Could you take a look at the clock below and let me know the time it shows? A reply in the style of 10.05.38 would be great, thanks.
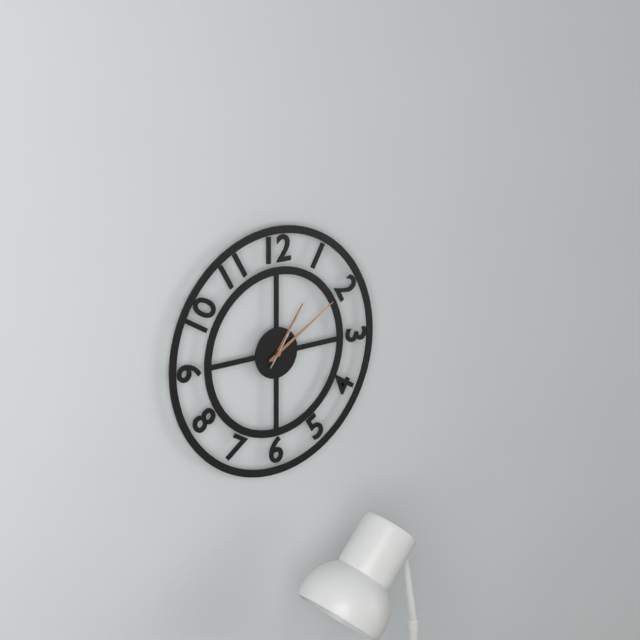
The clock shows 1.10.06
